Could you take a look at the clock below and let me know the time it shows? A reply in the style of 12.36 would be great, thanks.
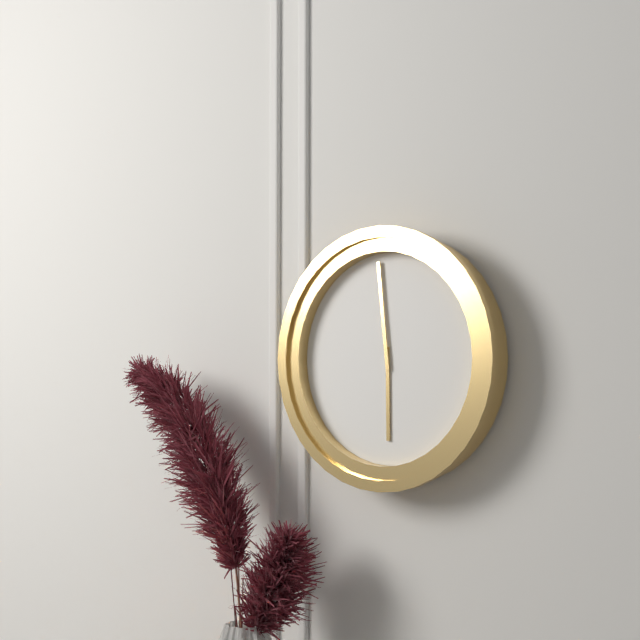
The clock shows 5.59
